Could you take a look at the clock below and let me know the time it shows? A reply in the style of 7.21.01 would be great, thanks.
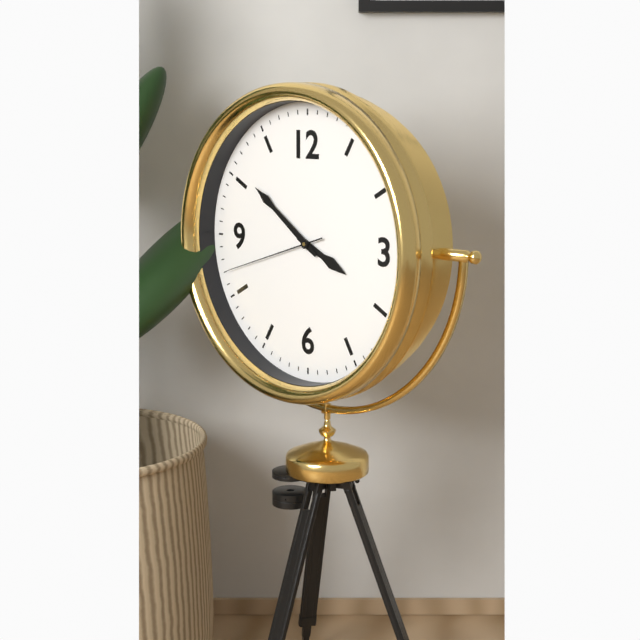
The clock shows 3.51.42
